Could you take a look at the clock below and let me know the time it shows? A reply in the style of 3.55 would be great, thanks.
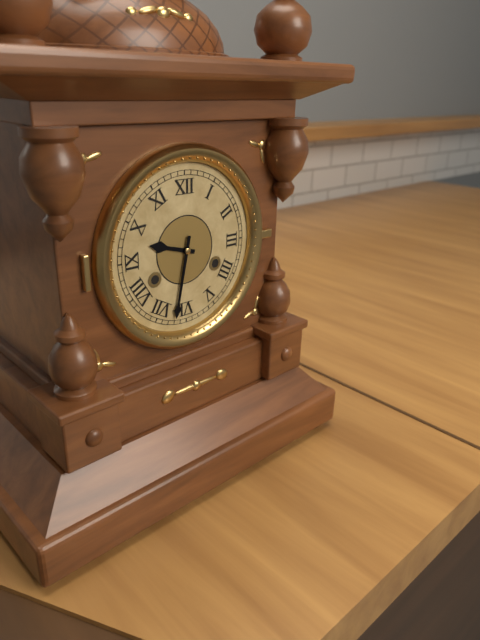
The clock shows 9.32
